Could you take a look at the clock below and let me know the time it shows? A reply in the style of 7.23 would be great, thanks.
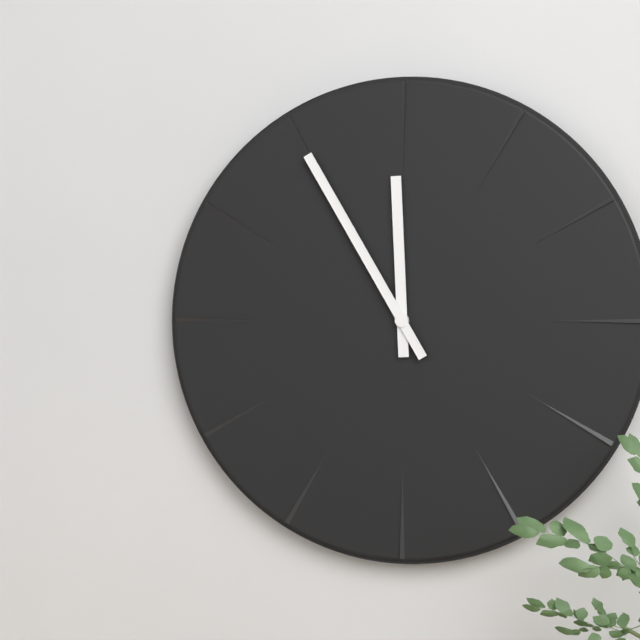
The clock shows 11.55
